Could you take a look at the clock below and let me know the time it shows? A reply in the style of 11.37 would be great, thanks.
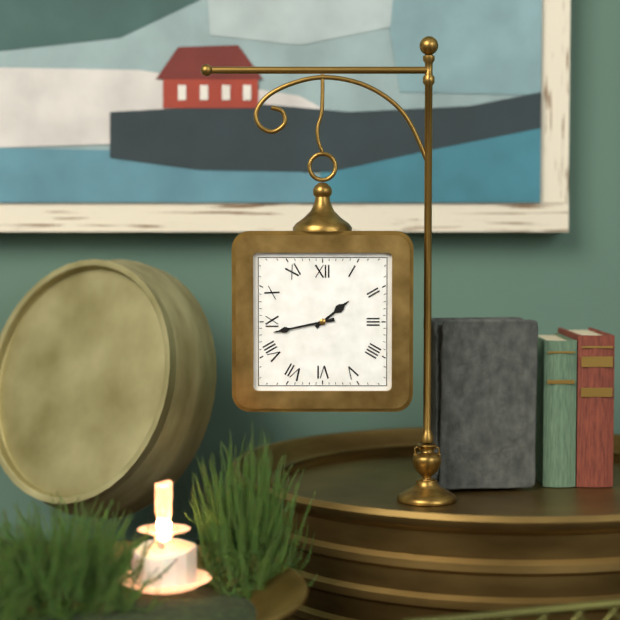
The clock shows 1.43
